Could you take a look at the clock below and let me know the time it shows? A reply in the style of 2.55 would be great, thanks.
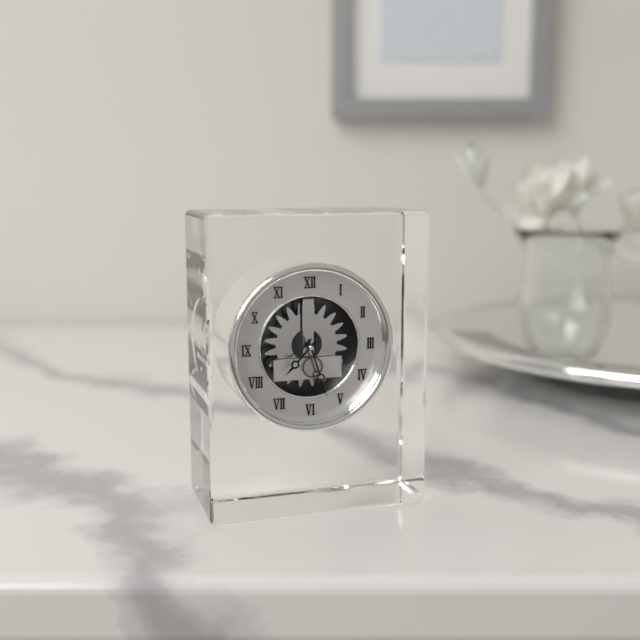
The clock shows 7.27
